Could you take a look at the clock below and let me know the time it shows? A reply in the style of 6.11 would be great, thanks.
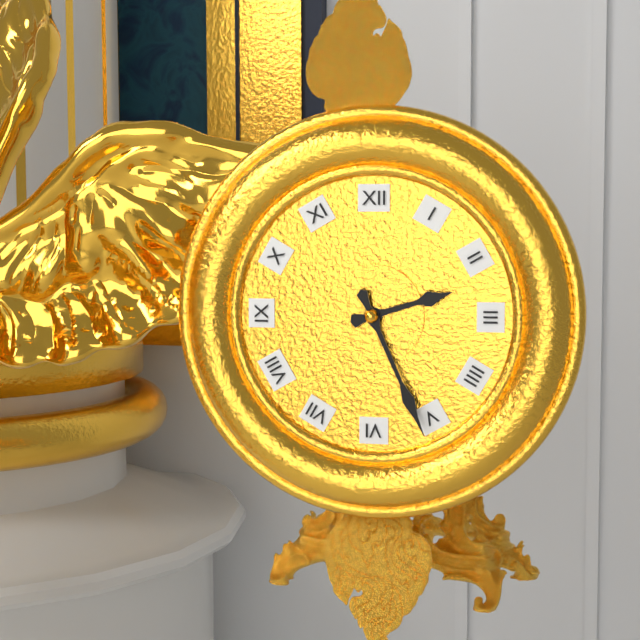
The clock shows 2.26
